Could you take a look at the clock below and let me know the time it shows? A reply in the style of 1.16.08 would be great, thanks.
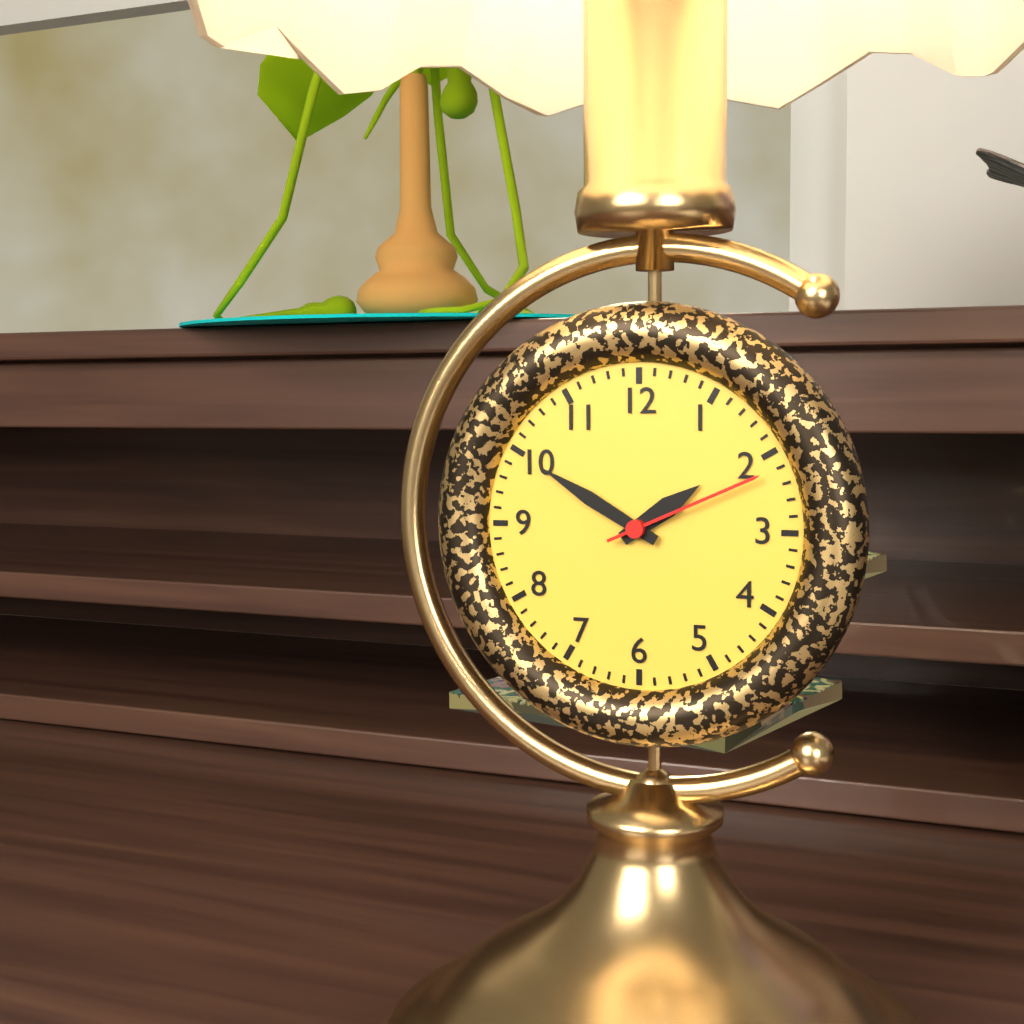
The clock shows 1.50.11
